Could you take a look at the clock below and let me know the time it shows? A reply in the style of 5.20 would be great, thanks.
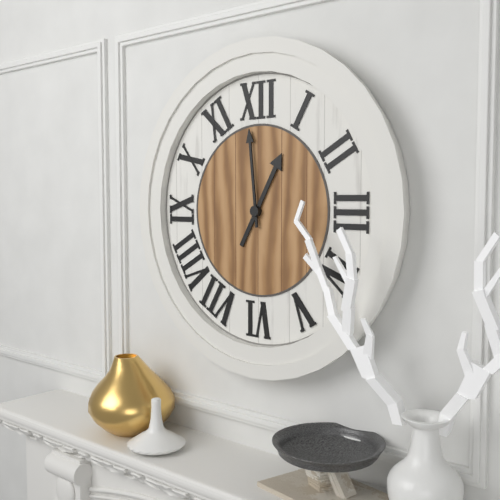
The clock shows 12.59
